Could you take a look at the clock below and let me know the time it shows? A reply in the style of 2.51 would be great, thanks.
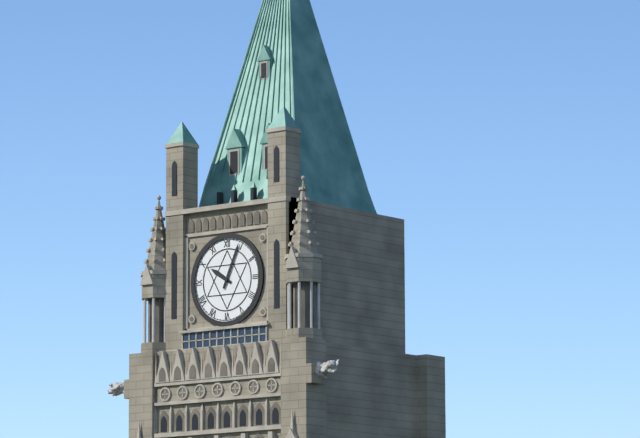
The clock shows 10.04
